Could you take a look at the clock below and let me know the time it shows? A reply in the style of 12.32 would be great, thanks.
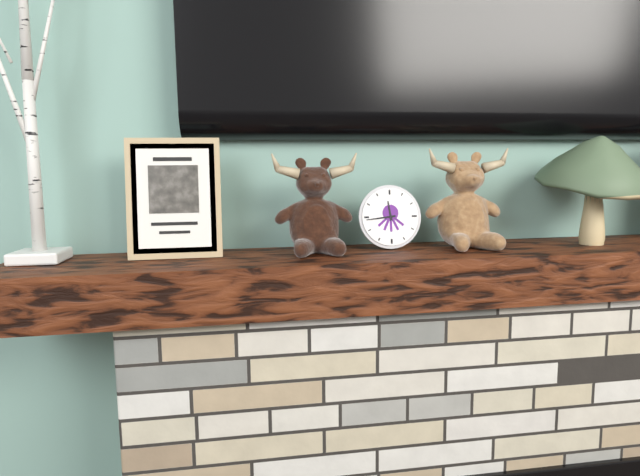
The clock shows 11.44
